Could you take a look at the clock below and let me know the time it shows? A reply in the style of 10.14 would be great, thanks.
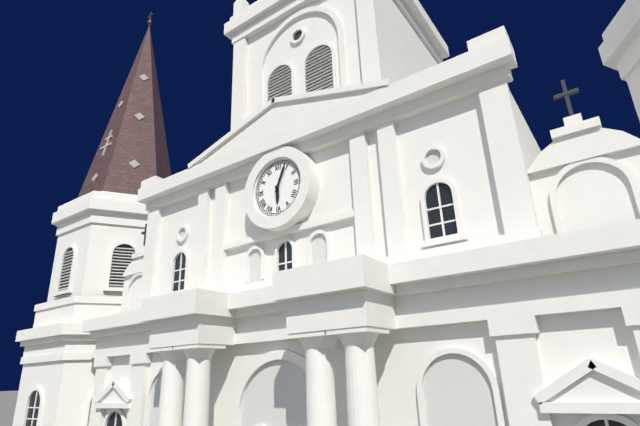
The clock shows 6.04
